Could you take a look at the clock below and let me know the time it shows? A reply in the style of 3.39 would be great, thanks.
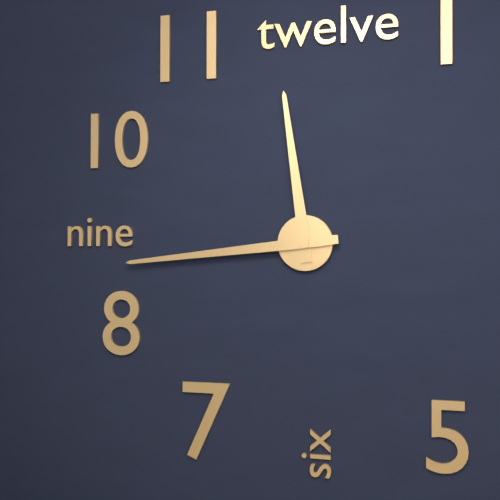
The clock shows 11.44
